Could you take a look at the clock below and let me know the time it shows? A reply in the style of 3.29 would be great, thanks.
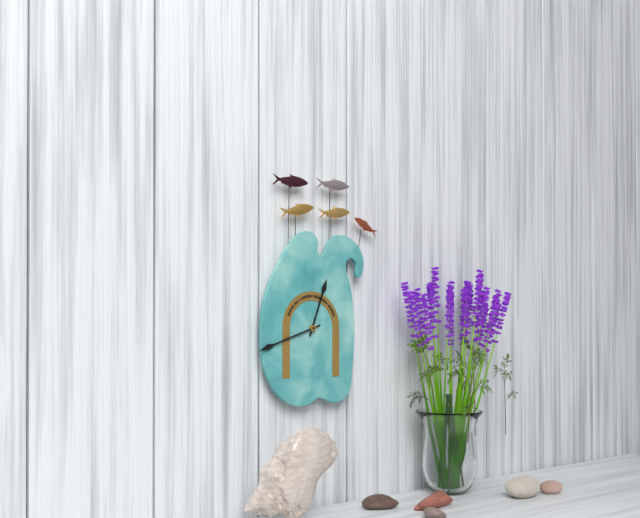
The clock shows 12.42
